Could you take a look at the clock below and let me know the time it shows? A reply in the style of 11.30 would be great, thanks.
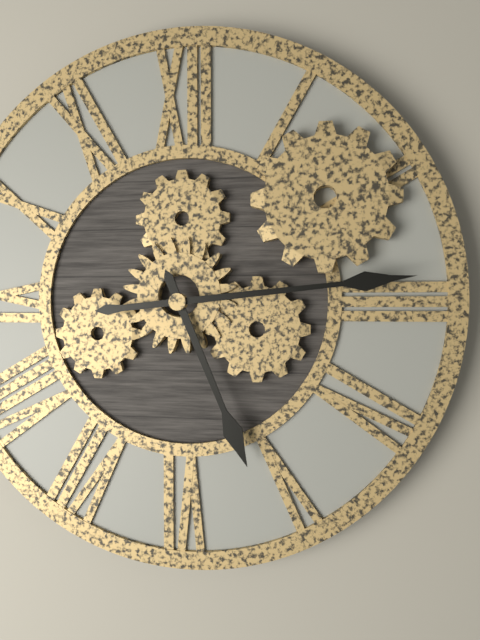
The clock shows 5.14
